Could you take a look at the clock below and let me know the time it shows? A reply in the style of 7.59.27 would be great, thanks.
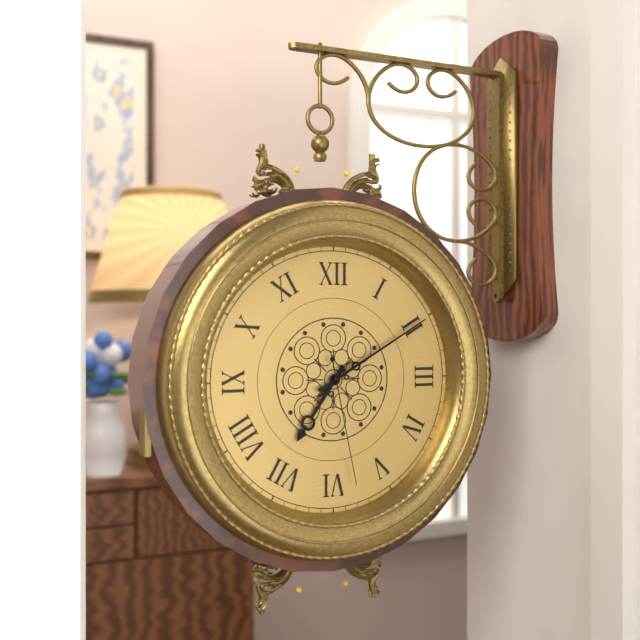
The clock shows 7.10.28
